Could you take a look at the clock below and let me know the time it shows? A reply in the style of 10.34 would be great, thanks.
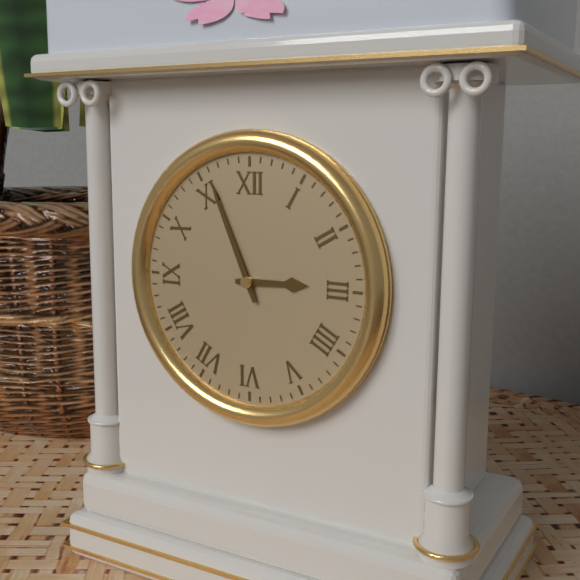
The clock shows 2.56
